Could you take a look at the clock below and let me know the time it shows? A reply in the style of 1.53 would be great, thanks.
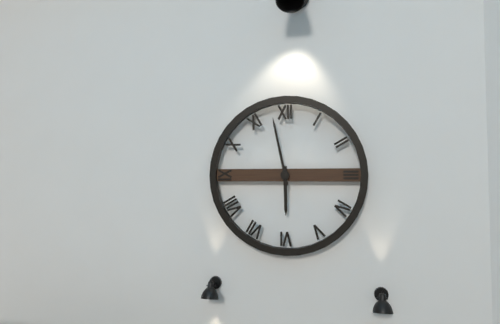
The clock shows 5.58
